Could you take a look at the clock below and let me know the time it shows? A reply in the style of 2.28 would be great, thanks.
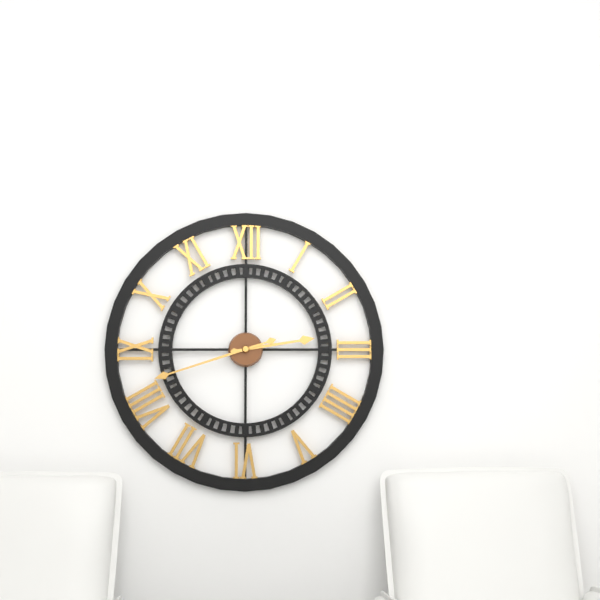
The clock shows 2.42
